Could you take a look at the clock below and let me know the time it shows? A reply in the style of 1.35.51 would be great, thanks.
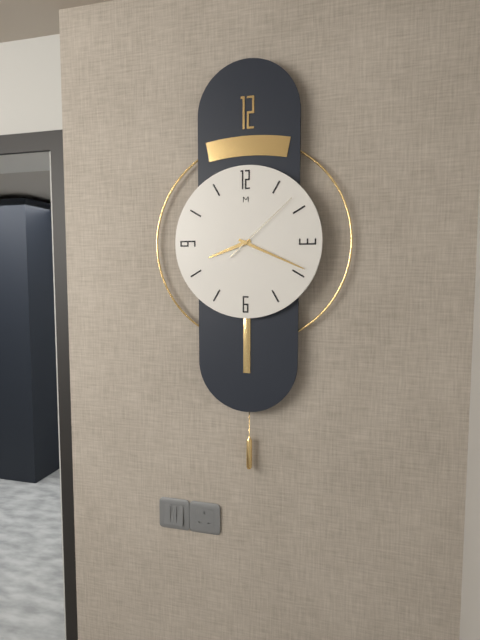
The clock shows 8.19.08
